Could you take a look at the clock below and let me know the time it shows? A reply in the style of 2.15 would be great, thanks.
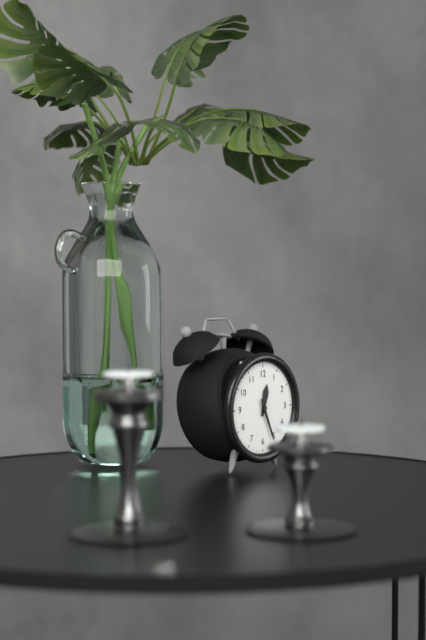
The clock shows 12.26
